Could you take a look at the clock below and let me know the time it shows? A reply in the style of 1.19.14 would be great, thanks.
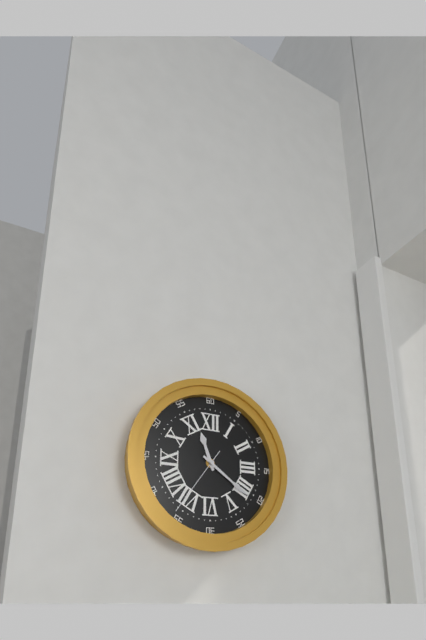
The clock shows 11.21.36
